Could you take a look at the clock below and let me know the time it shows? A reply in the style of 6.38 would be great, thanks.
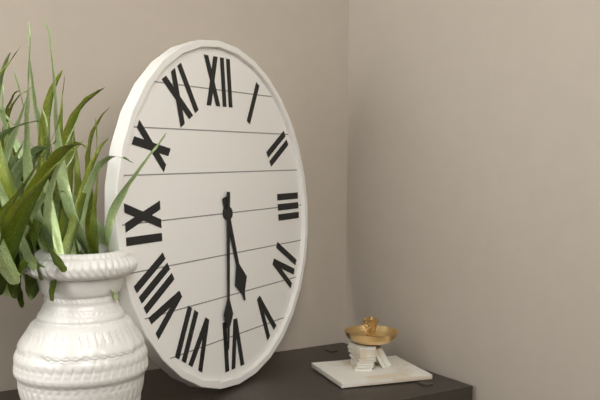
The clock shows 5.31
